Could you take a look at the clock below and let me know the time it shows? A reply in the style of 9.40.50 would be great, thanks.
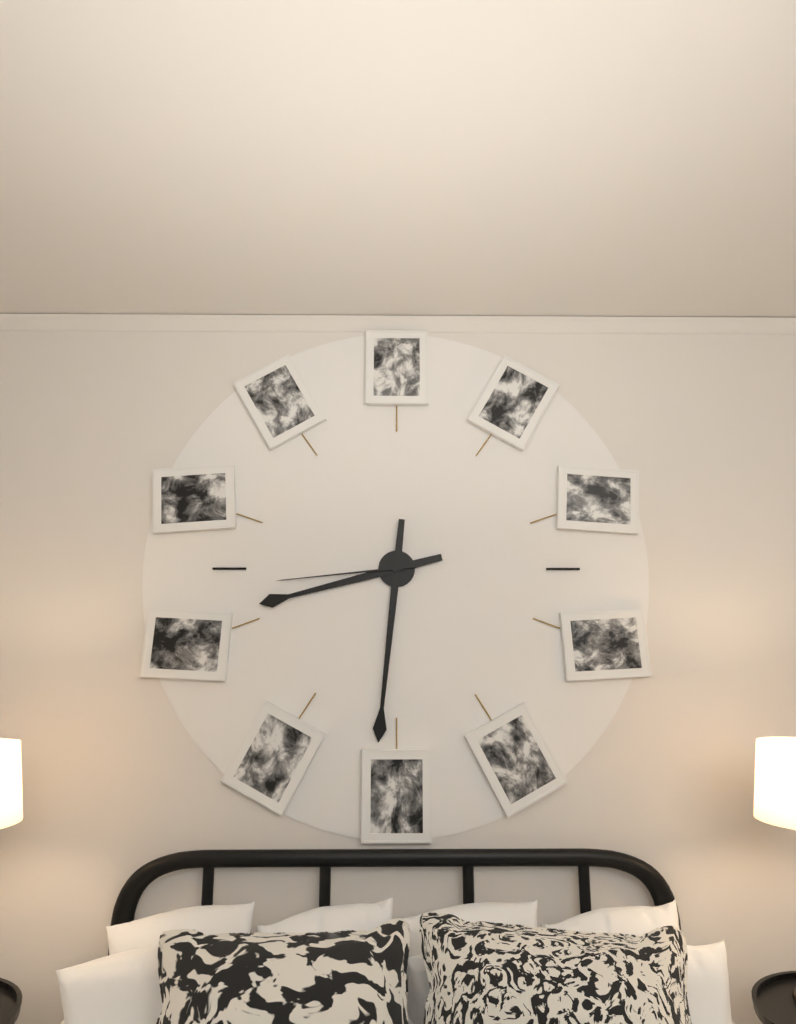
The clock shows 8.31.44
